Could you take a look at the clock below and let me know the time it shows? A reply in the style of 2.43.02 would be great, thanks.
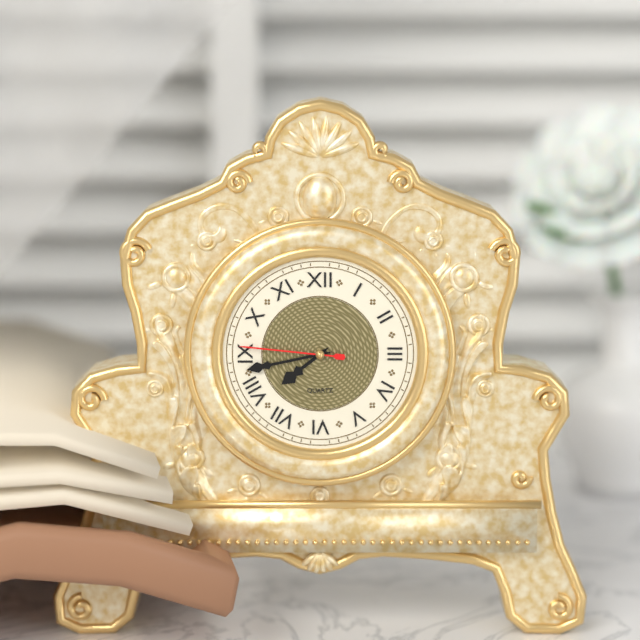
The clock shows 7.43.46
